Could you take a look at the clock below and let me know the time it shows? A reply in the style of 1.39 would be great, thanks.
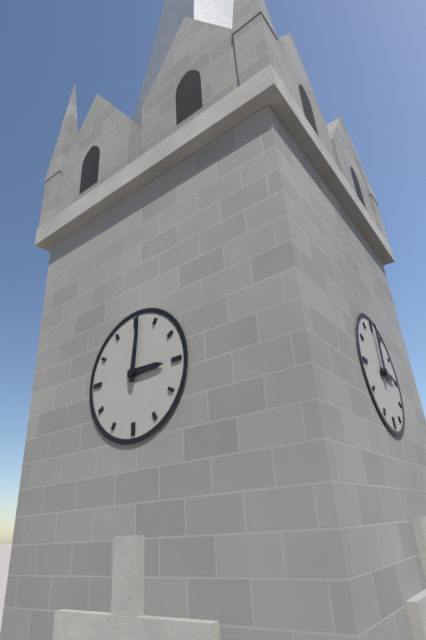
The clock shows 3.01
